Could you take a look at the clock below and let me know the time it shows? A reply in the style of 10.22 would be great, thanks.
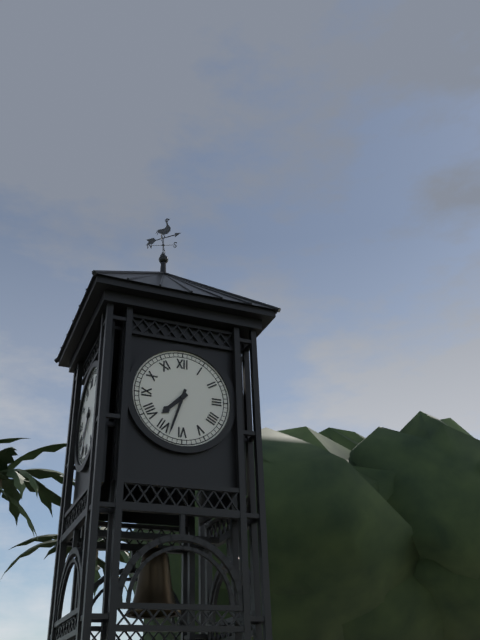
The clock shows 7.33
